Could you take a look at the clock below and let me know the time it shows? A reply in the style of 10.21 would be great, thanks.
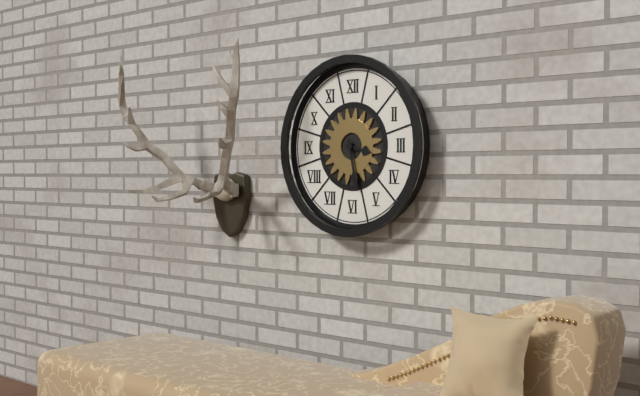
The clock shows 3.28
